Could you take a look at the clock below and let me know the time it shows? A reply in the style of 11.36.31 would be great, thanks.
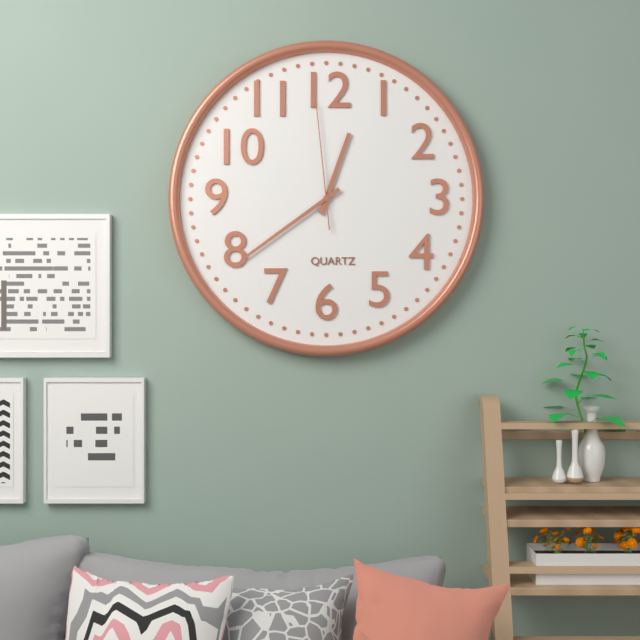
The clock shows 12.39.59
